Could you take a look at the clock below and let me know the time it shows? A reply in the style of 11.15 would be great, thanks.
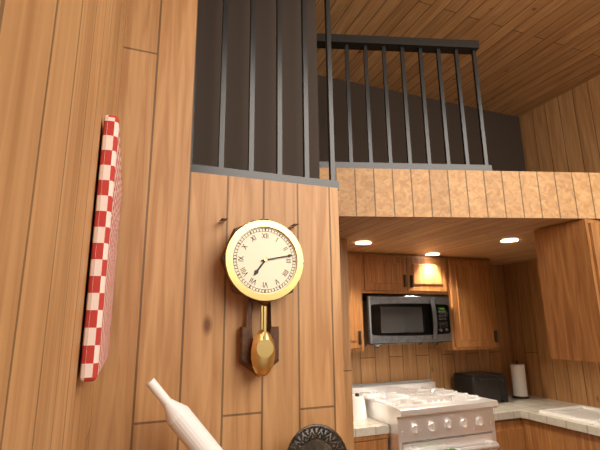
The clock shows 7.13
